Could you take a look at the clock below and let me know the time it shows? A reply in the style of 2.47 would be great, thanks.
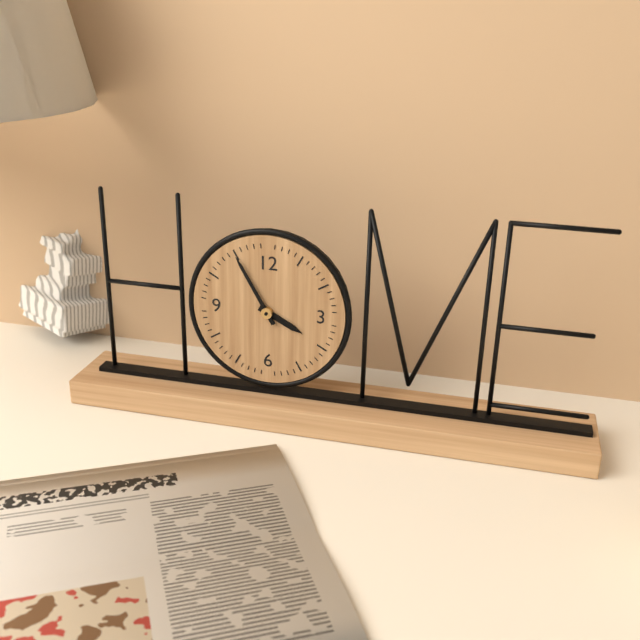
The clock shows 3.55
